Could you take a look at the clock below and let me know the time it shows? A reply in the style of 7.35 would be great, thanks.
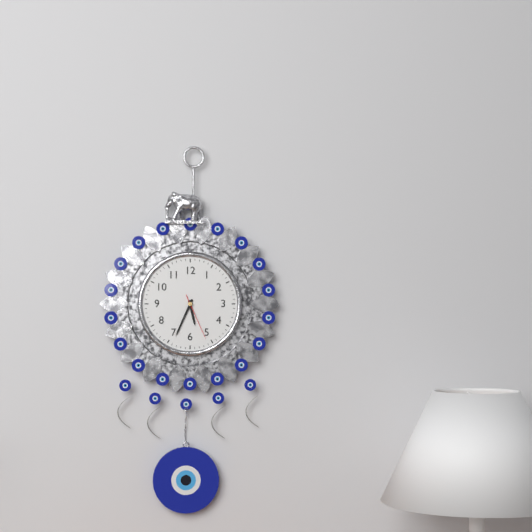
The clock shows 5.34
